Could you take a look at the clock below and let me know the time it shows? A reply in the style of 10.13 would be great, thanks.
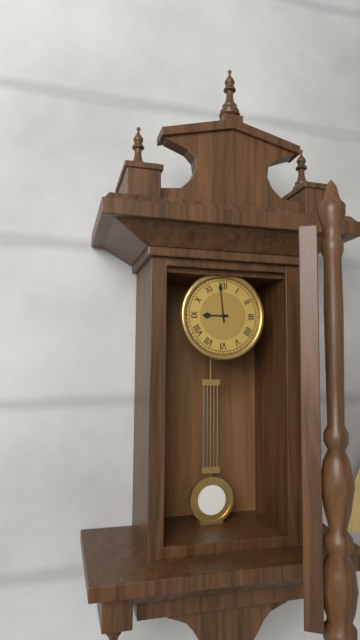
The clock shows 8.59
